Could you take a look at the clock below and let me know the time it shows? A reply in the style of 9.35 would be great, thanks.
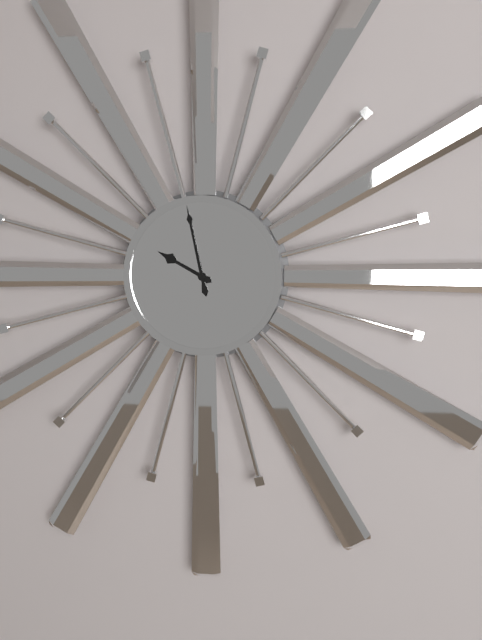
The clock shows 9.58
